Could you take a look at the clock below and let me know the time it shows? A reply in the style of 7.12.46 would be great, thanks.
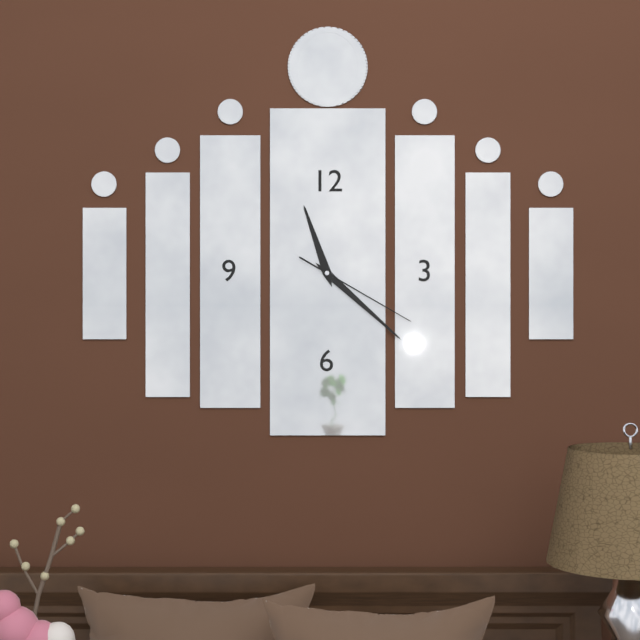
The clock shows 11.22.20
